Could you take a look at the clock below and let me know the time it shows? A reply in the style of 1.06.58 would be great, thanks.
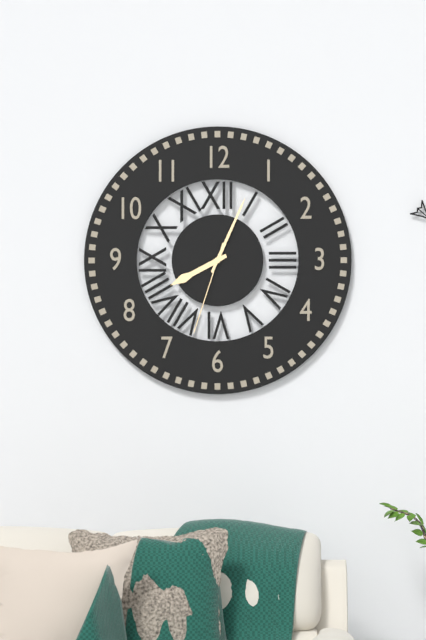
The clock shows 8.04.33
